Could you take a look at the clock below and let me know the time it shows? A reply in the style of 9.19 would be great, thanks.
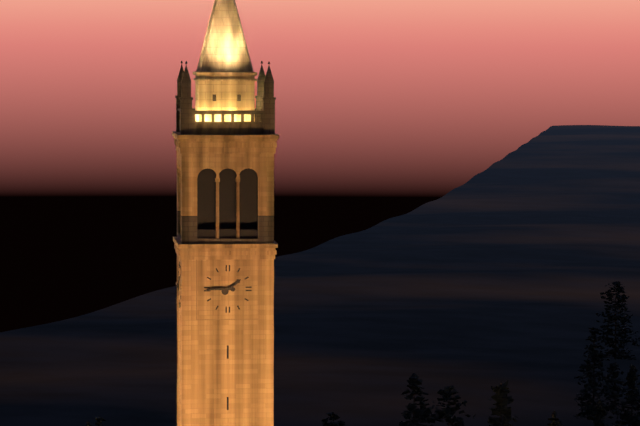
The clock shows 1.45
